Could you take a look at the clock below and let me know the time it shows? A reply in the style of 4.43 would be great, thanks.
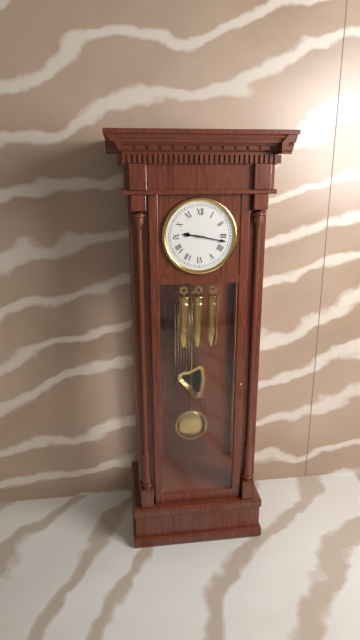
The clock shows 9.17
